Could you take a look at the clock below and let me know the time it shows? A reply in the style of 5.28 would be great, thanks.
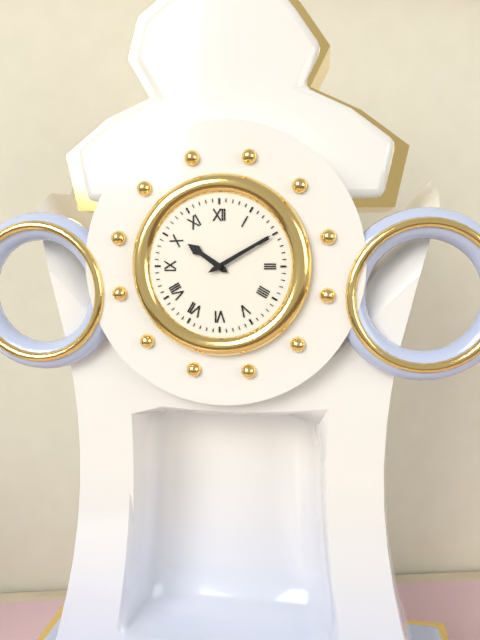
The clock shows 10.10
